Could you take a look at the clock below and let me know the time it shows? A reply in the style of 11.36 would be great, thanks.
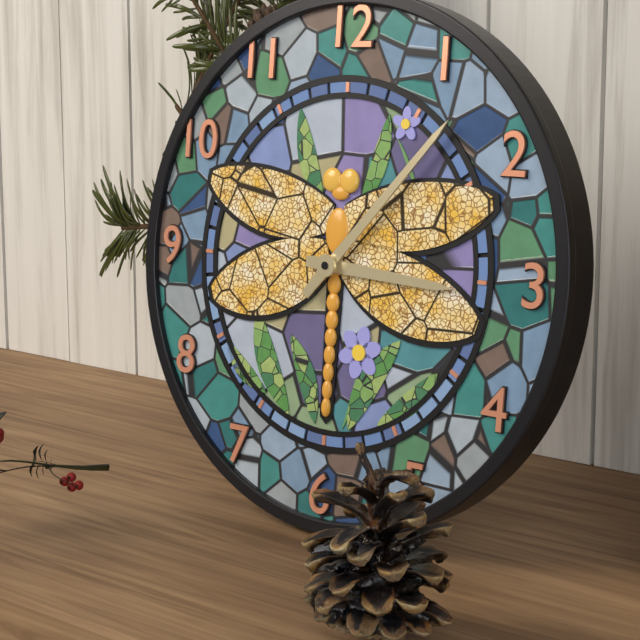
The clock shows 3.07
